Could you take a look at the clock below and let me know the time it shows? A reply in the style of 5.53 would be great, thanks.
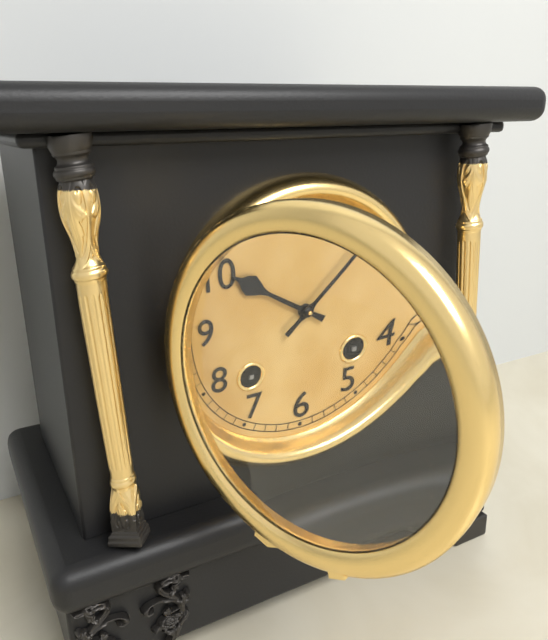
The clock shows 10.08
